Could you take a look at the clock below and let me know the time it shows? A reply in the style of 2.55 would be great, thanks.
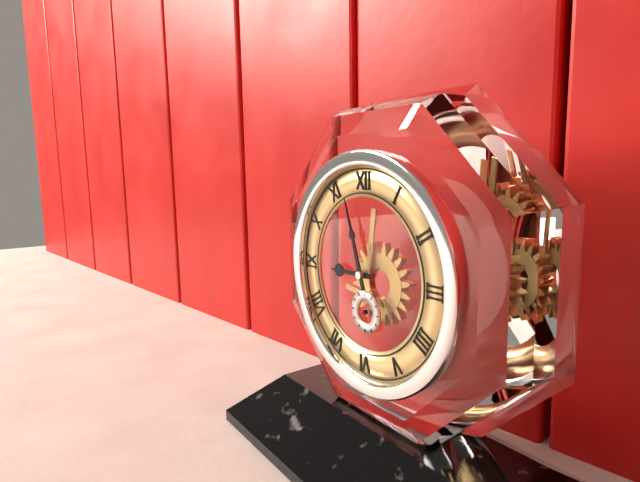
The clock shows 8.57
